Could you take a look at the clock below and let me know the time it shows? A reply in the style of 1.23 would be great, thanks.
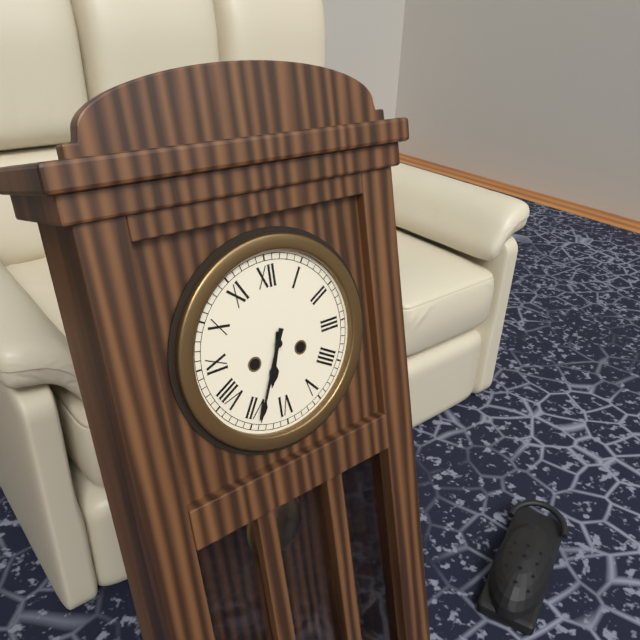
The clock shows 6.34
